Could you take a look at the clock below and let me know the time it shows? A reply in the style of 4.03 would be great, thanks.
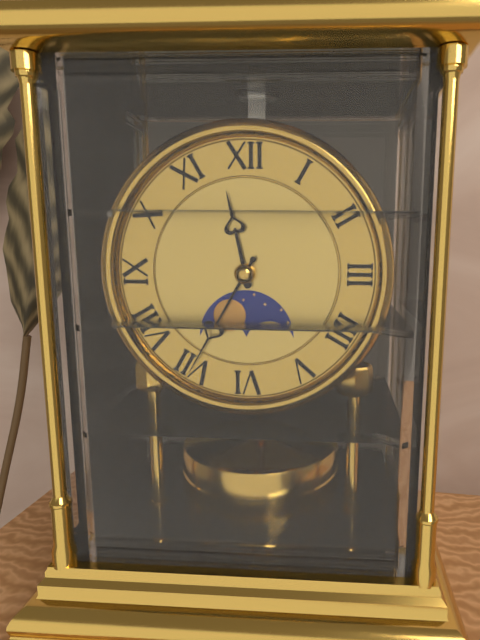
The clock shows 11.35
